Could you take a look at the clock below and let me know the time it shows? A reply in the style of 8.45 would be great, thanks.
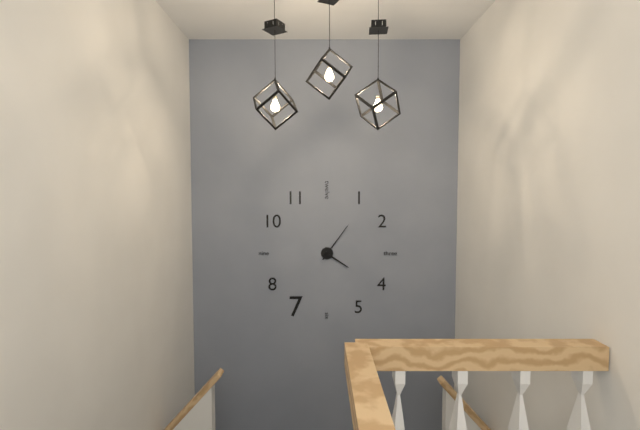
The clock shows 4.06
